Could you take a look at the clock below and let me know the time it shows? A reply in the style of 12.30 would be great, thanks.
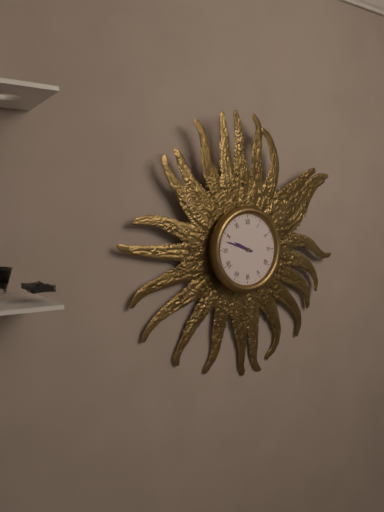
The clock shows 9.48
